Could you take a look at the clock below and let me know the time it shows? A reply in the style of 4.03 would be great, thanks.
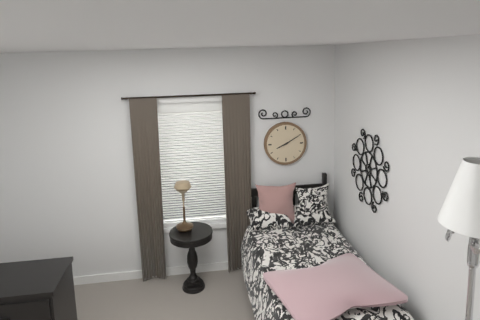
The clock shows 8.10
